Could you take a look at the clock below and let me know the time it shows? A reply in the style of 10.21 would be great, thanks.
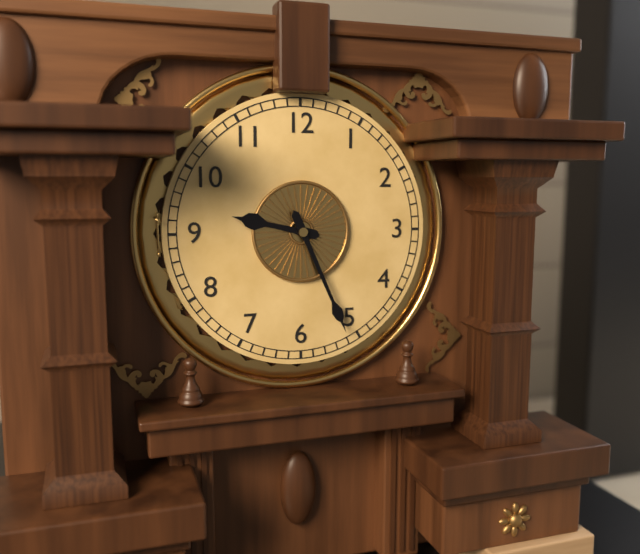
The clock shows 9.26
